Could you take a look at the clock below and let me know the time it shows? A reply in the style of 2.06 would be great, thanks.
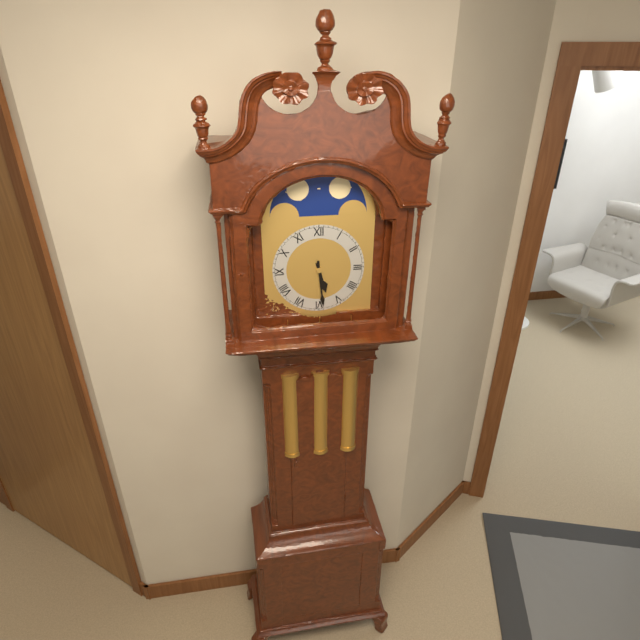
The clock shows 5.29
